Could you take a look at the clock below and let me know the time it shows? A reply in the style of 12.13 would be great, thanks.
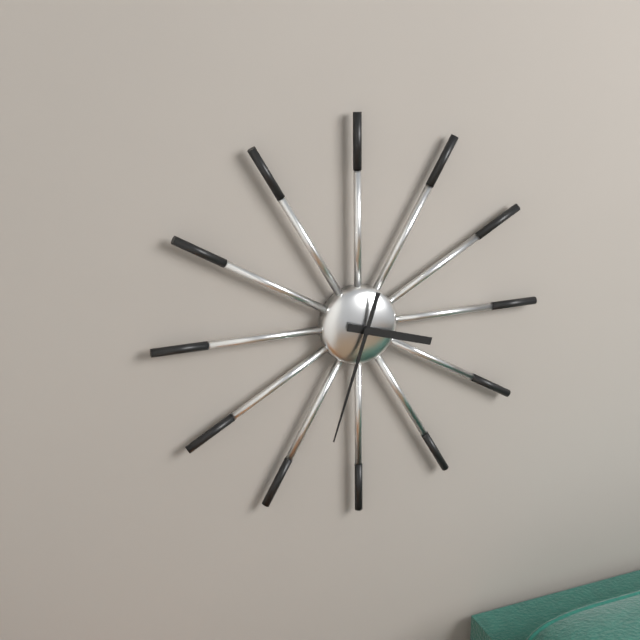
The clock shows 3.33
